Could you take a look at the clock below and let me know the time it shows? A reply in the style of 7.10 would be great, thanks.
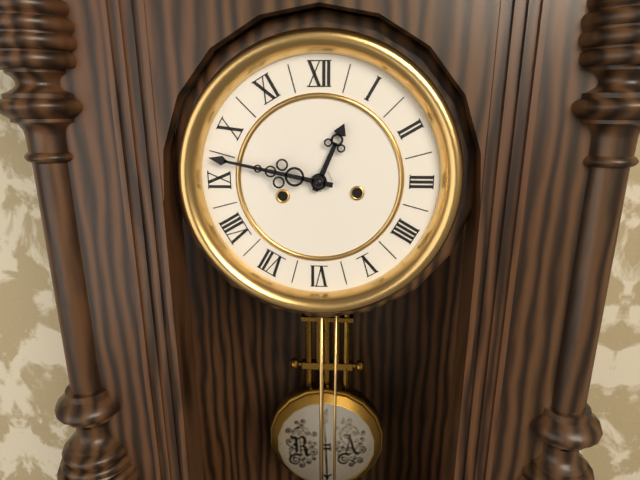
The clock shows 12.47
